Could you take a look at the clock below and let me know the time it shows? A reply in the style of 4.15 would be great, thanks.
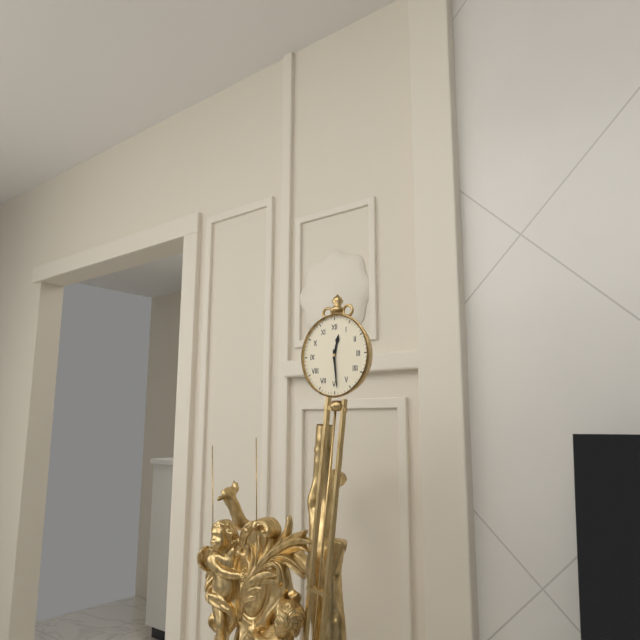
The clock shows 12.29
